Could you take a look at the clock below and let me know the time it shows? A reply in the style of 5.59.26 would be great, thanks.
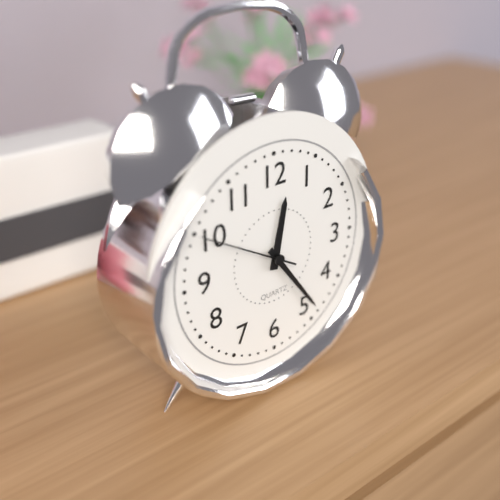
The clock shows 12.24.50
